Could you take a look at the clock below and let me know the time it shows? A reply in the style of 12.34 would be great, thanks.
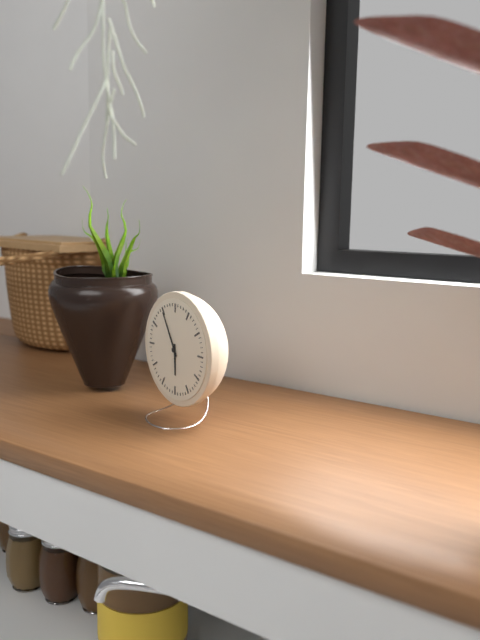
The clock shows 5.55
